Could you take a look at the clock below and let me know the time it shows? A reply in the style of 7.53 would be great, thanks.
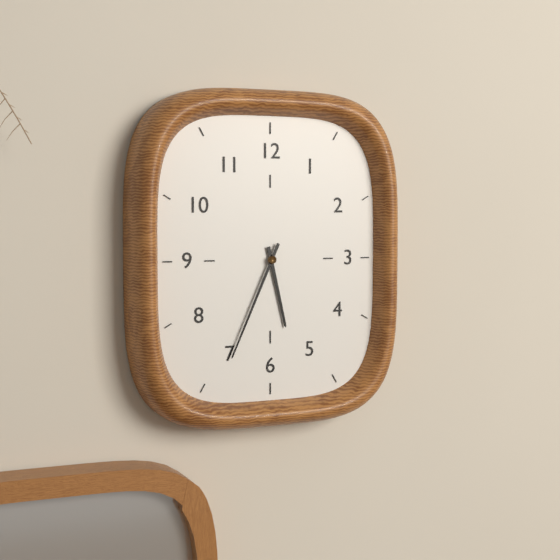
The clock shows 5.34
